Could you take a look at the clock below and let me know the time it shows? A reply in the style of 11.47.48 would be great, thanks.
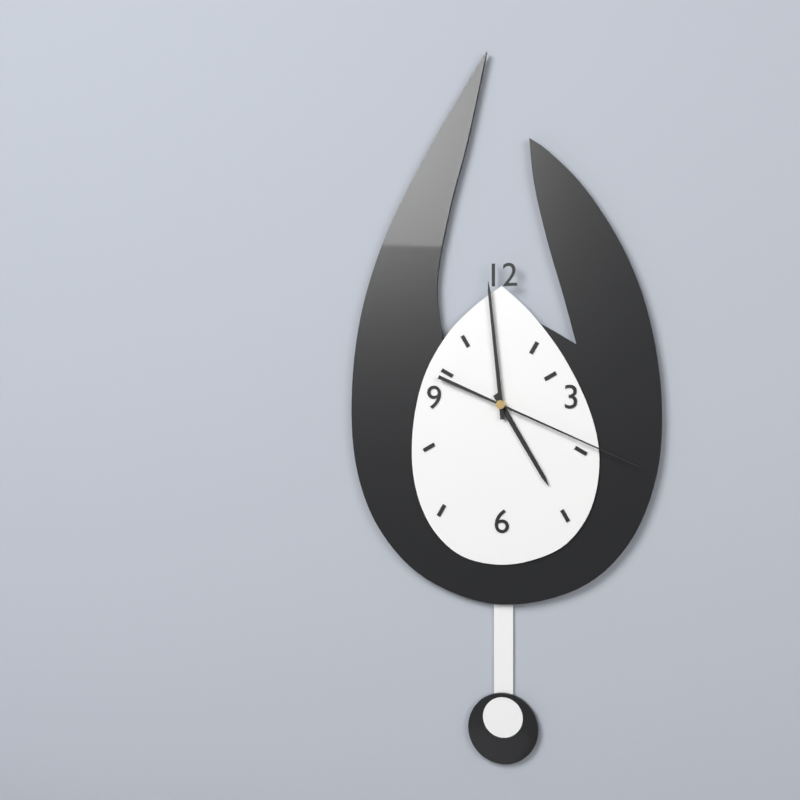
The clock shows 4.59.19
